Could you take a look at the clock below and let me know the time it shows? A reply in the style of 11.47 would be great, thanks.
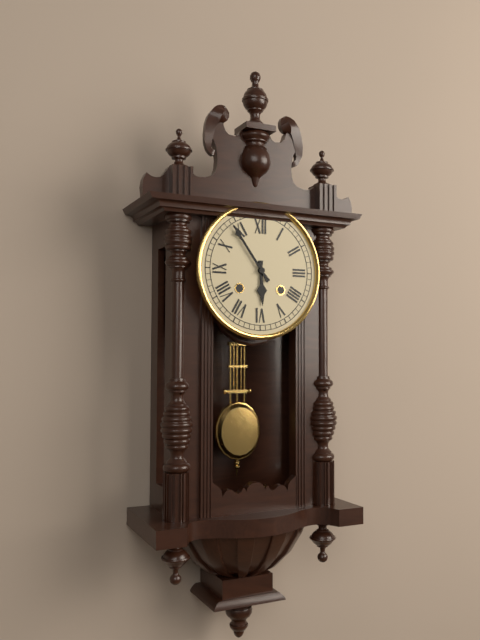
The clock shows 5.54
